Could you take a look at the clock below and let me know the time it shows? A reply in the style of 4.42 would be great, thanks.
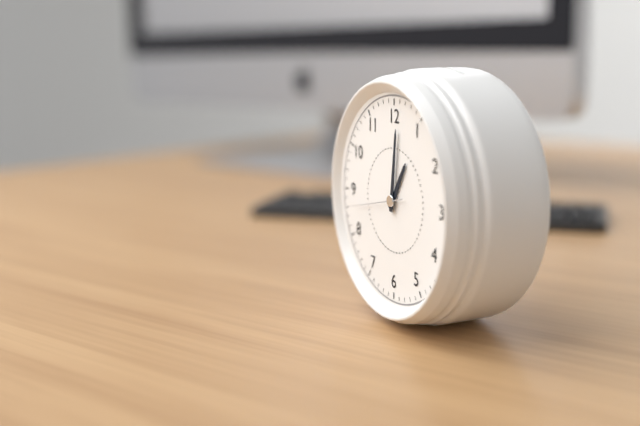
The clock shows 1.01
